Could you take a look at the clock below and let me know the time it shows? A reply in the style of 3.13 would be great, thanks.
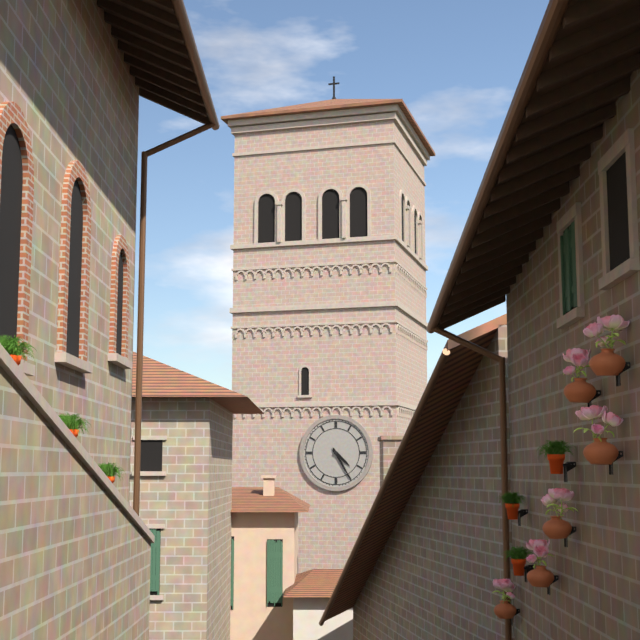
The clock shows 4.25
